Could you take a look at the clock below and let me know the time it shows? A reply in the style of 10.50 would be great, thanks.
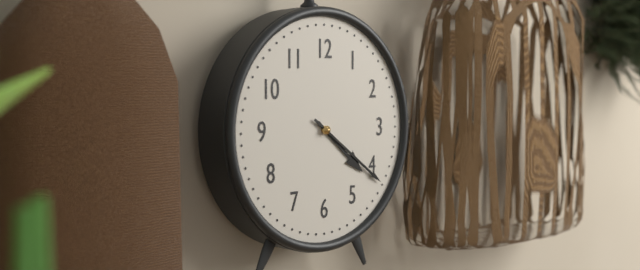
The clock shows 4.21
